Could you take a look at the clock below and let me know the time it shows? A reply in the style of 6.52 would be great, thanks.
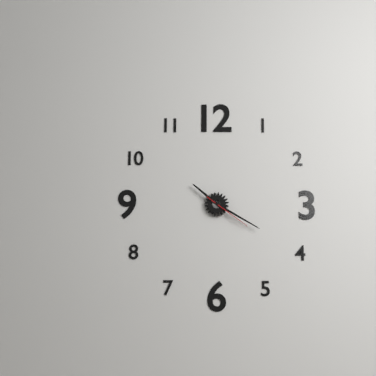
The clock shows 10.20
